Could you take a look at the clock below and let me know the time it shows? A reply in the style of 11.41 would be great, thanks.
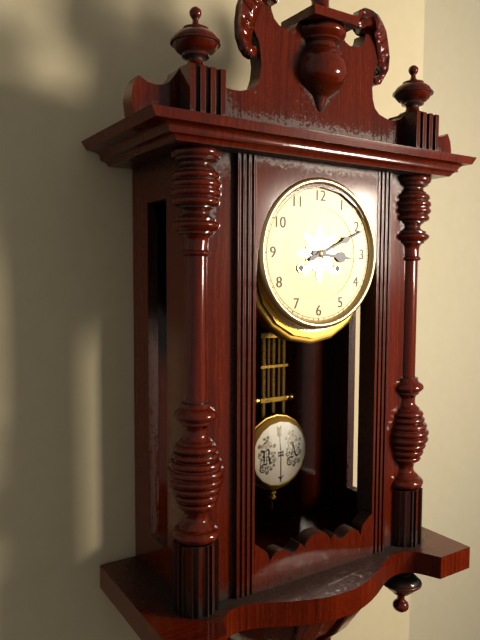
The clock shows 3.11
